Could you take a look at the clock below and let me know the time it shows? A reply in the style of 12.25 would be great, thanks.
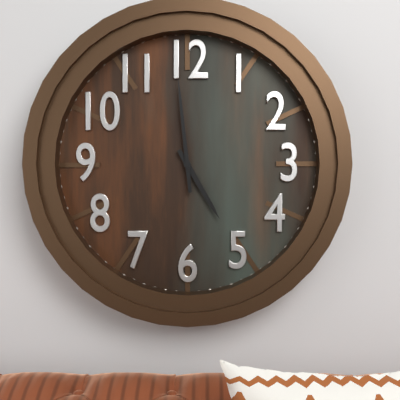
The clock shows 4.59
